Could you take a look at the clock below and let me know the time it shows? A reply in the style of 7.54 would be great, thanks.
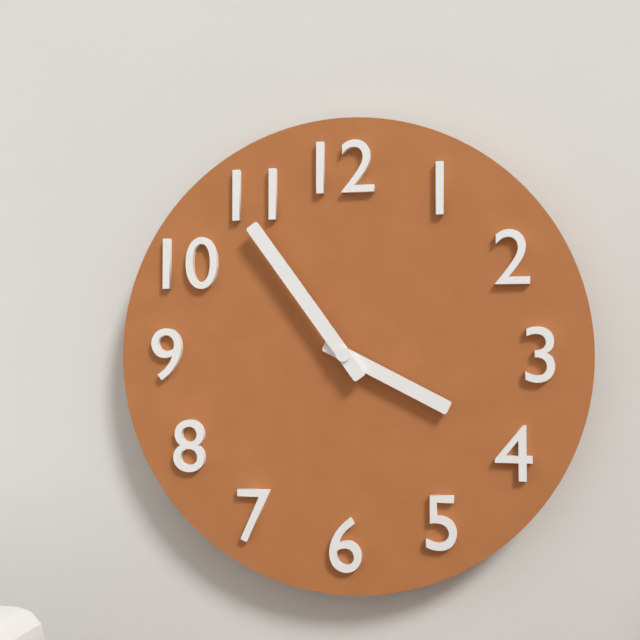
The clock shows 3.54
